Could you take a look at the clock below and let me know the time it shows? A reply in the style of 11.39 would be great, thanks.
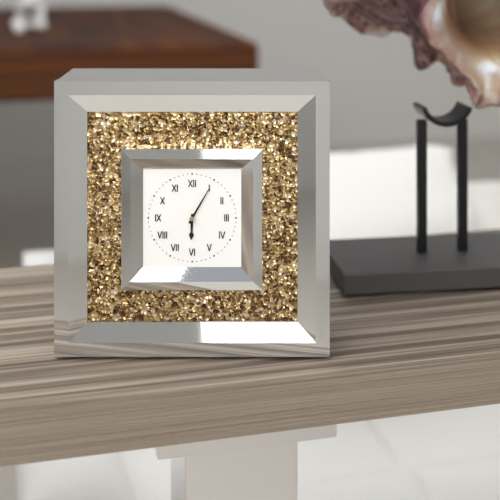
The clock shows 6.05
